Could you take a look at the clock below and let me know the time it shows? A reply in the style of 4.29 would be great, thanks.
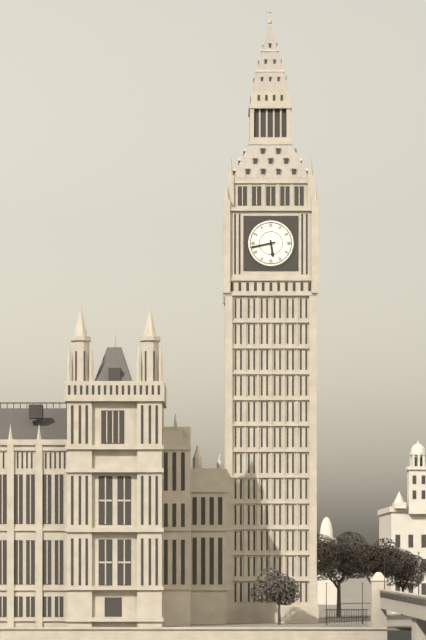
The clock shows 5.43
